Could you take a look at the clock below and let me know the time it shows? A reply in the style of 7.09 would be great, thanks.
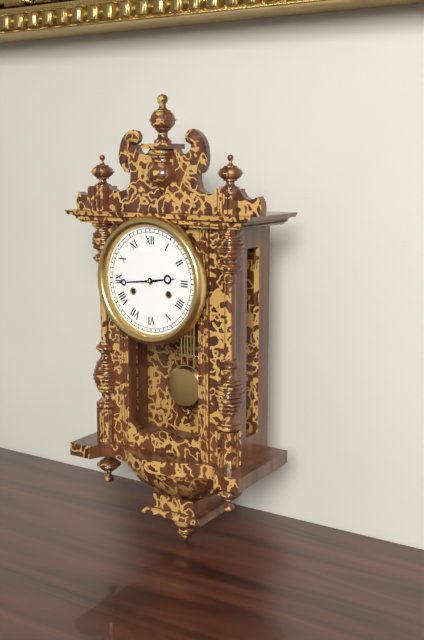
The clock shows 2.44
